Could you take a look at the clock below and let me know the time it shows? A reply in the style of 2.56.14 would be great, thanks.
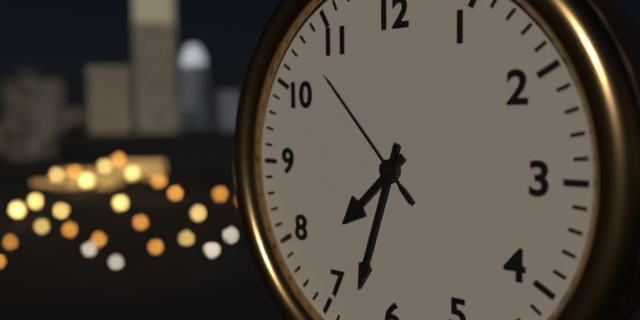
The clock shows 7.33.53
